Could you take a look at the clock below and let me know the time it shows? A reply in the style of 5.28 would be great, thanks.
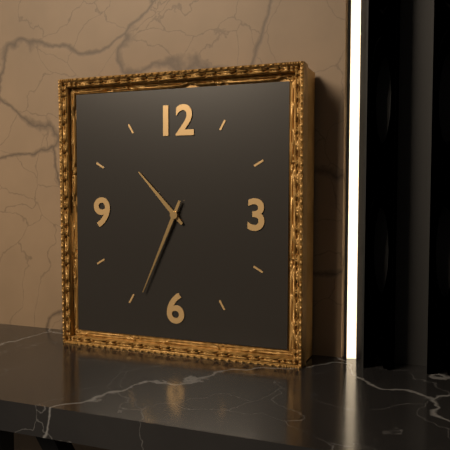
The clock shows 10.34
